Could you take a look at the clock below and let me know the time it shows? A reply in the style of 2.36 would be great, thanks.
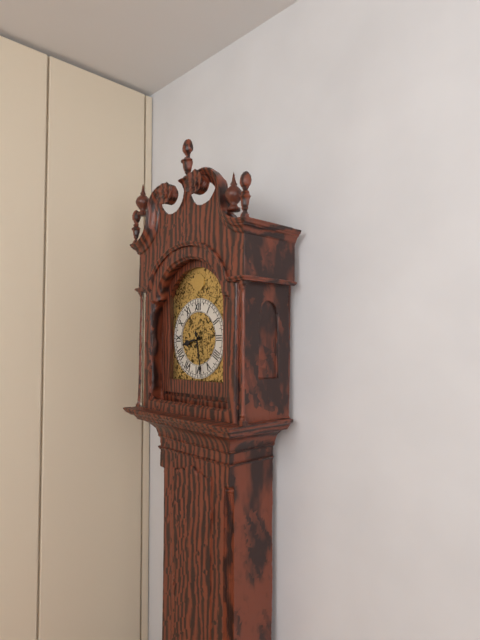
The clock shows 8.28
